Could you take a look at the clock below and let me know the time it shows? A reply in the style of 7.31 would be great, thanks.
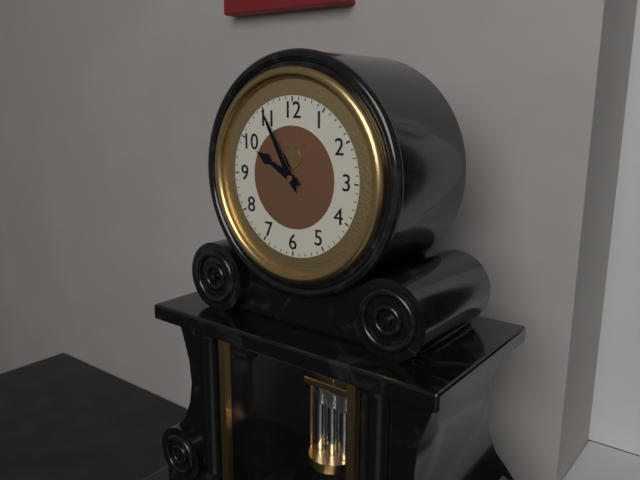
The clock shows 9.55
